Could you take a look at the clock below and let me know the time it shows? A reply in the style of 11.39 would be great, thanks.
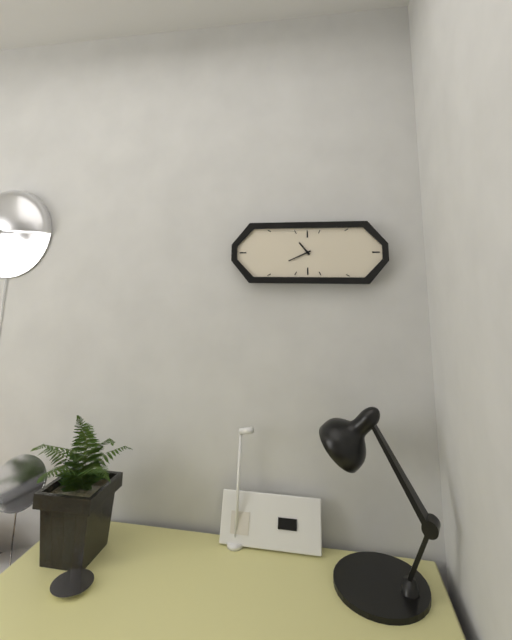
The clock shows 10.41
